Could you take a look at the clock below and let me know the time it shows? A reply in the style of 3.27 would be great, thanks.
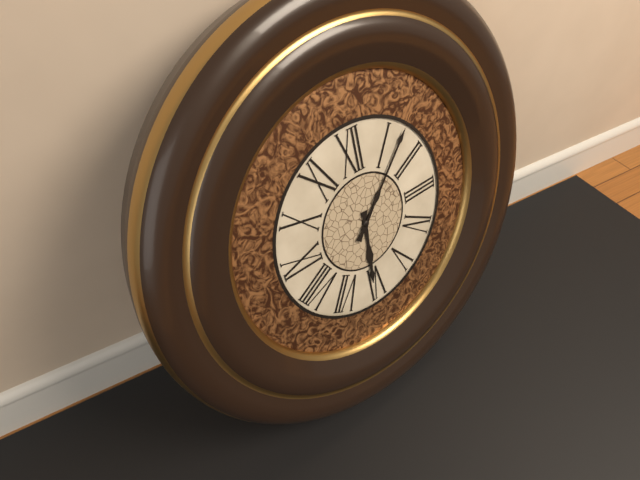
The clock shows 6.07
